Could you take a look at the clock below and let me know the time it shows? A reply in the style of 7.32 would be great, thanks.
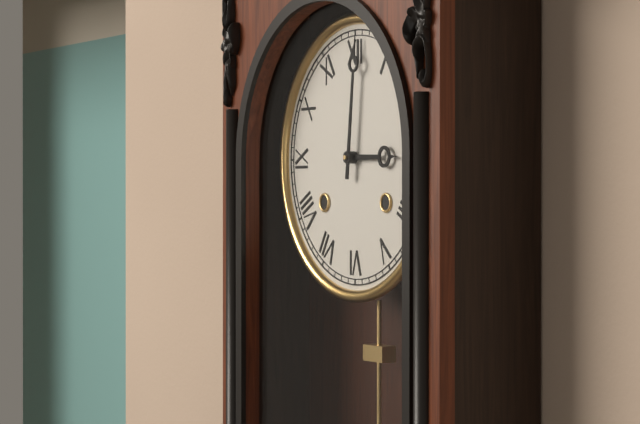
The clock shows 3.01
